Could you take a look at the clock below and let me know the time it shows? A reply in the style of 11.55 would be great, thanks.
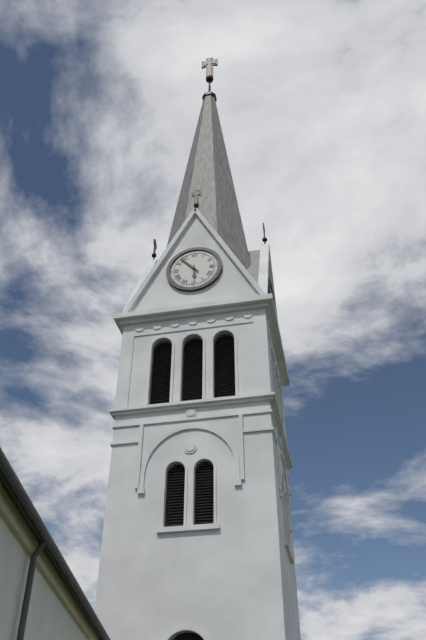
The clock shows 5.53
